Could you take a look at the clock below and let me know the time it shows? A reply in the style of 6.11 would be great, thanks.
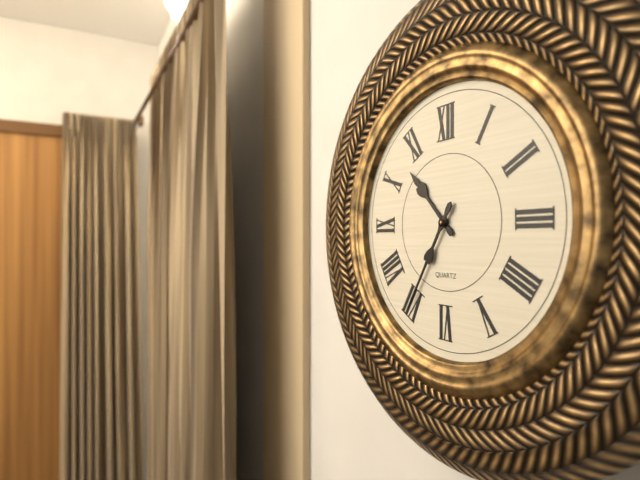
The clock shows 10.35
